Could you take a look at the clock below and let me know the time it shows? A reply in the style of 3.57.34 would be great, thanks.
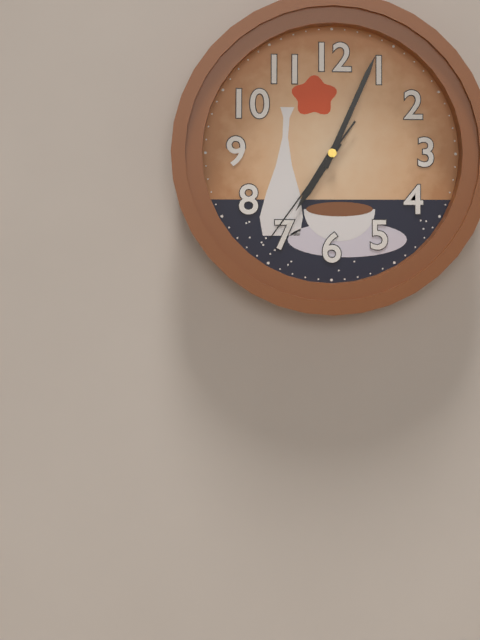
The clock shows 7.04.36
